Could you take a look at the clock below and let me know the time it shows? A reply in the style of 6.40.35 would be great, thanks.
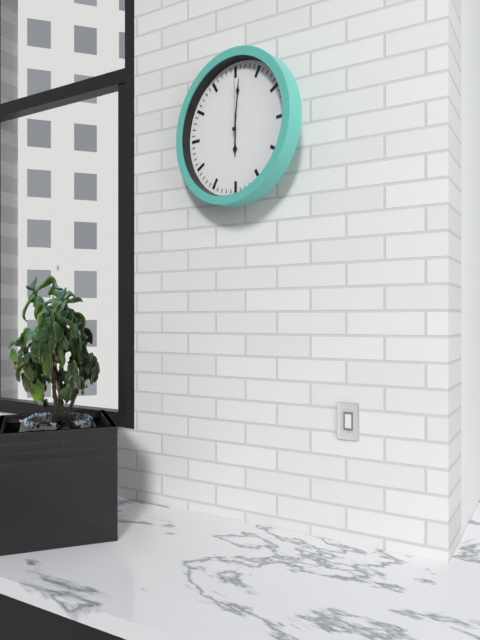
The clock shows 6.01.00
